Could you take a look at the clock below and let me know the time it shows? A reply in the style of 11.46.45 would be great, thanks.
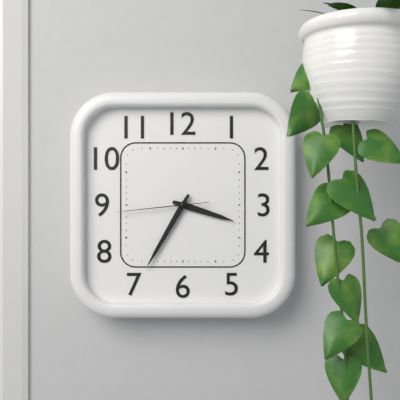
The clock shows 3.35.44
